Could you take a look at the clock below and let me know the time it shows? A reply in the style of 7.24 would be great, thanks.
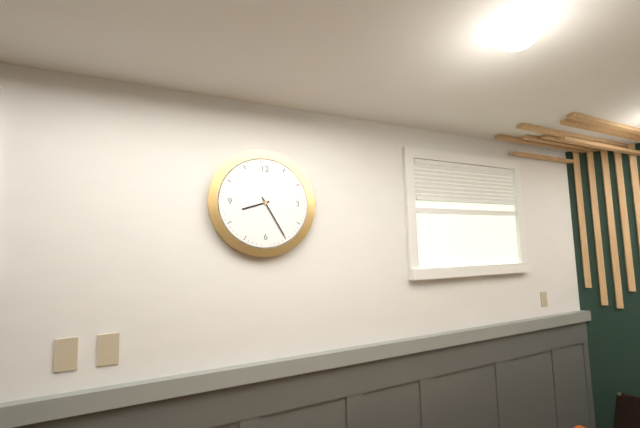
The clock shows 8.25
